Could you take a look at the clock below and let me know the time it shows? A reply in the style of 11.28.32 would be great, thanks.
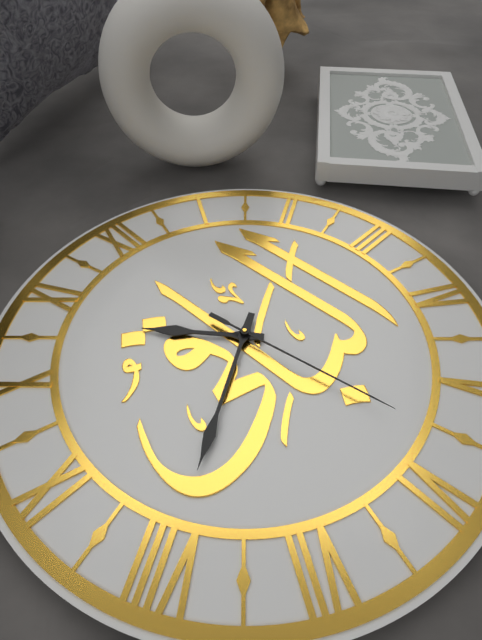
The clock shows 10.40.28
